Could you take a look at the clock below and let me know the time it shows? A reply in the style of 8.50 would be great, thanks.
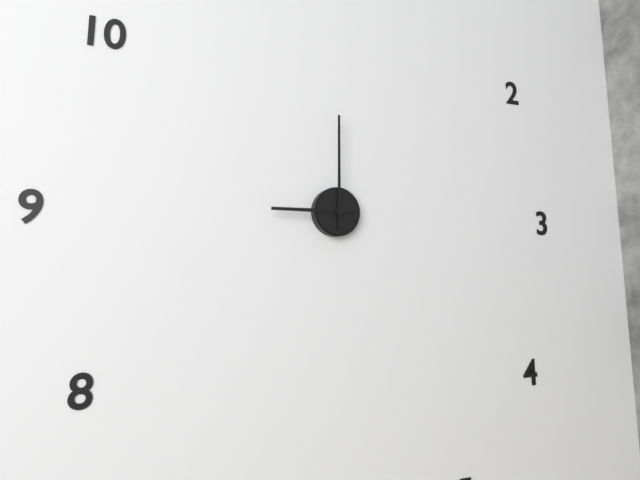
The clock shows 9.00
